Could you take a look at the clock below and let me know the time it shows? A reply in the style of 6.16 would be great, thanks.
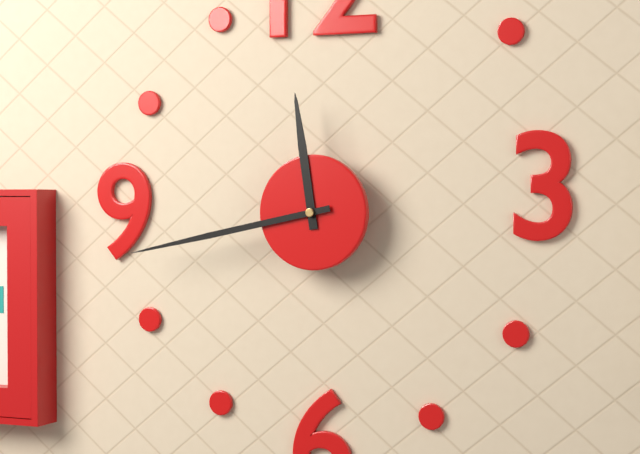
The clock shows 11.43
